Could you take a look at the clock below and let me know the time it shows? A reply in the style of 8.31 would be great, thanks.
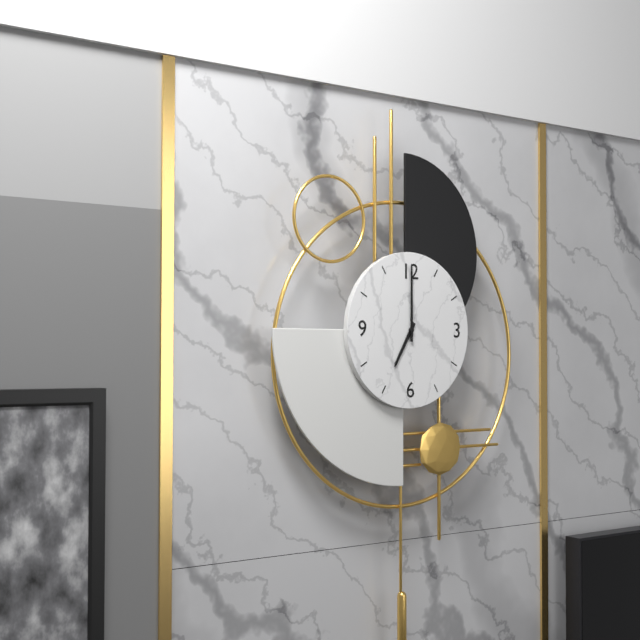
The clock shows 7.00
